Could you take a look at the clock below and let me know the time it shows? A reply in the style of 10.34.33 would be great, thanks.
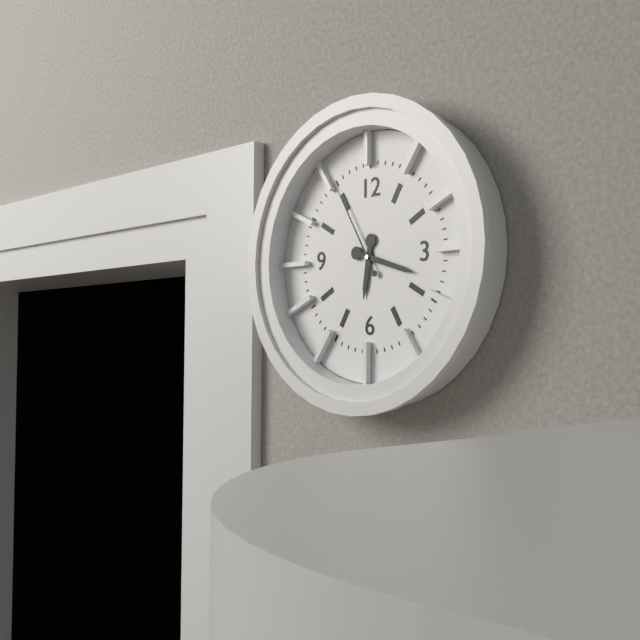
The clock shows 6.18.55
